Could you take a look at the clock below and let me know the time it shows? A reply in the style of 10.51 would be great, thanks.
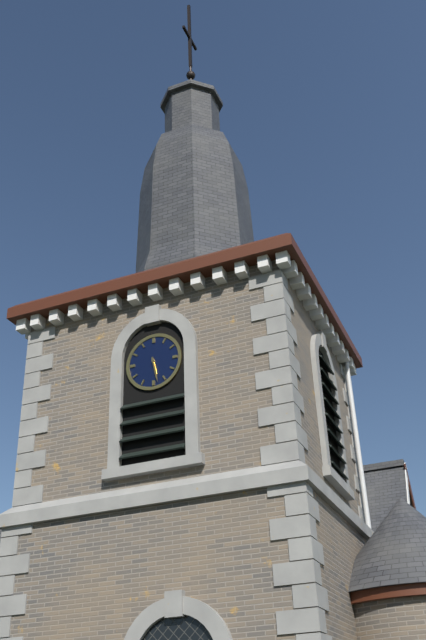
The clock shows 5.28
